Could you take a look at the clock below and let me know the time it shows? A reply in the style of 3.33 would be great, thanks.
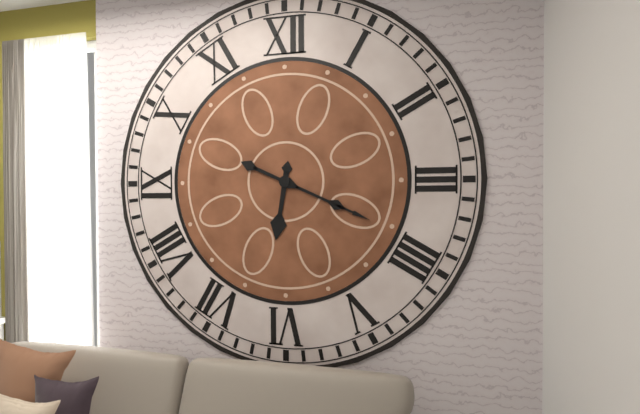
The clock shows 6.19
